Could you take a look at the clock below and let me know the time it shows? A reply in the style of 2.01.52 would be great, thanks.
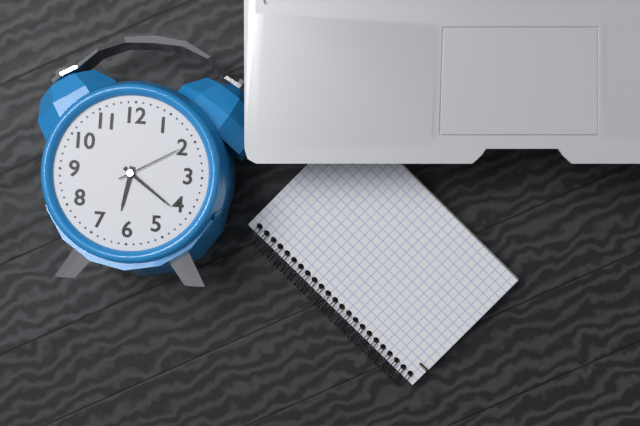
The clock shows 6.21.10
